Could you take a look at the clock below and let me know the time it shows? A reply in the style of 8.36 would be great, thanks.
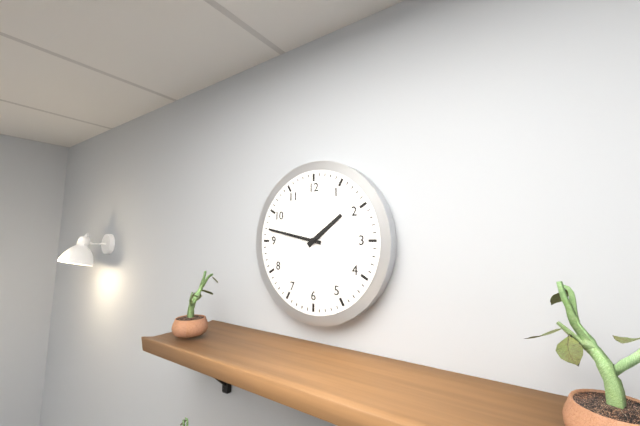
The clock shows 1.47
